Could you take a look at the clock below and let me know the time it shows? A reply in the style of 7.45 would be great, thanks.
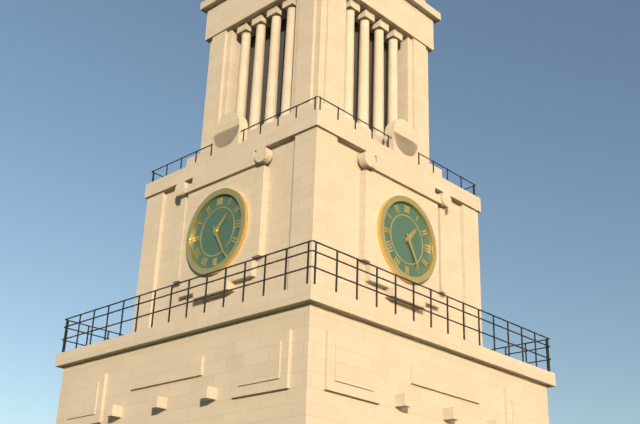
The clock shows 1.25
